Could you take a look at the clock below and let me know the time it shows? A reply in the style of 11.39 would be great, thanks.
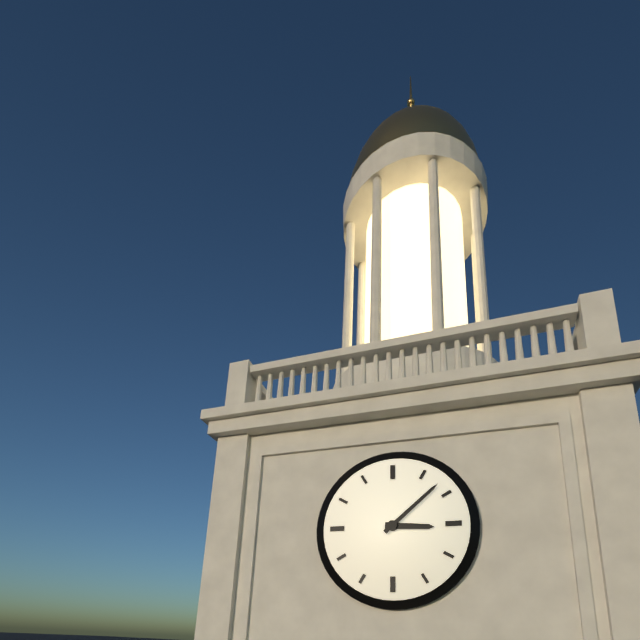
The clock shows 3.08
